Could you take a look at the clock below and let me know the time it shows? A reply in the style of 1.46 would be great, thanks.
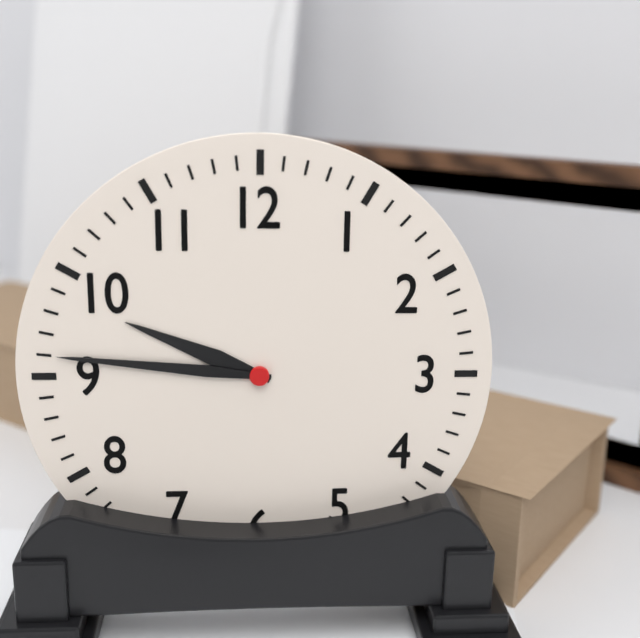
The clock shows 9.46
